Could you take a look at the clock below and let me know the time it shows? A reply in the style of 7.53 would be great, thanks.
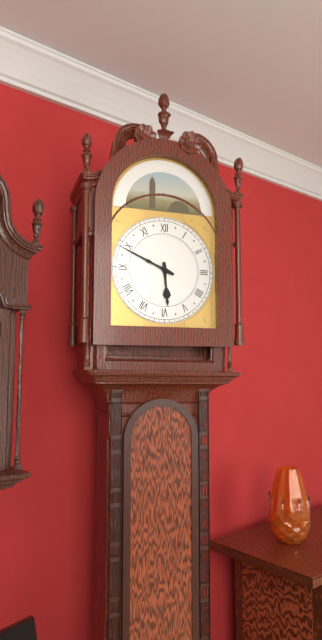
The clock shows 5.49
